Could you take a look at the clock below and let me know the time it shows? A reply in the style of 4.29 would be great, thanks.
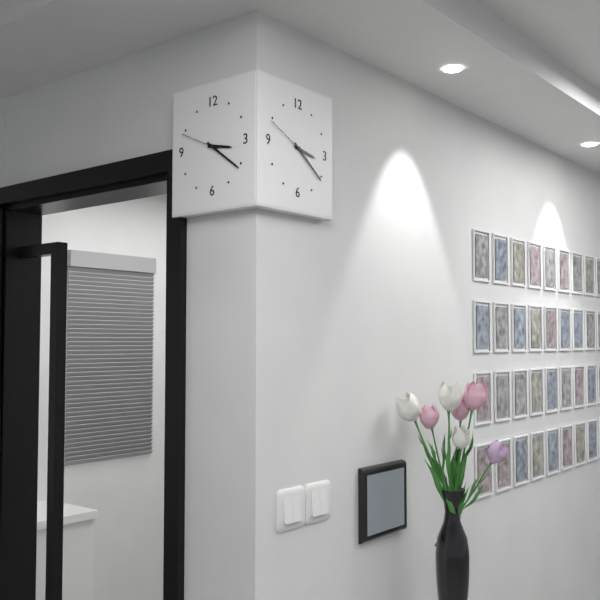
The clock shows 3.21
